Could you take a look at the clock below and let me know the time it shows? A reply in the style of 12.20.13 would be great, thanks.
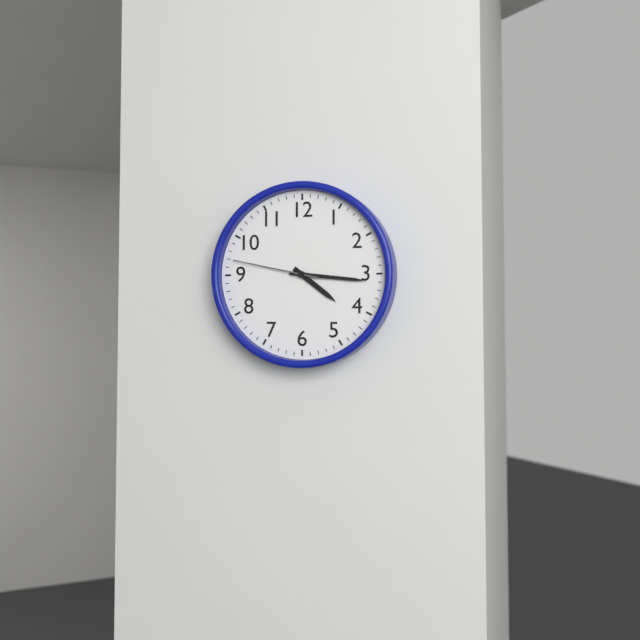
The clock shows 4.16.47
